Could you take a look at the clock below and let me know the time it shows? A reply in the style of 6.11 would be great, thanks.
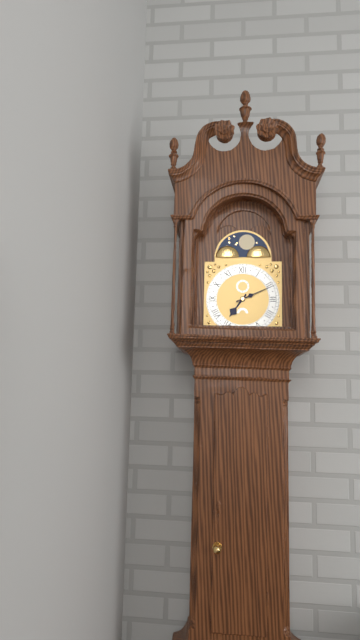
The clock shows 7.11
